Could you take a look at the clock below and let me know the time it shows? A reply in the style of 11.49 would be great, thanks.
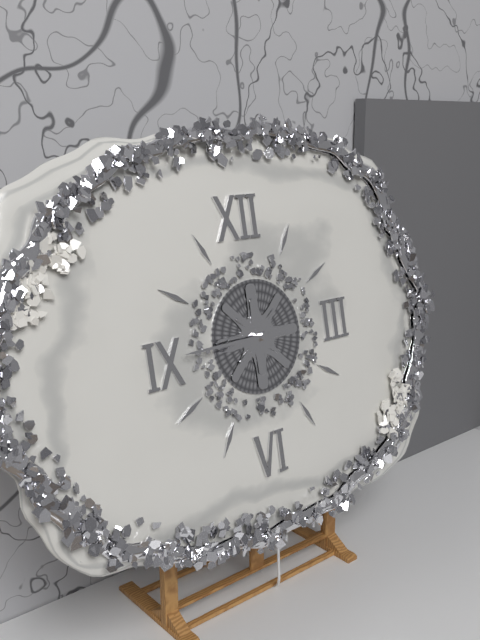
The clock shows 8.45
